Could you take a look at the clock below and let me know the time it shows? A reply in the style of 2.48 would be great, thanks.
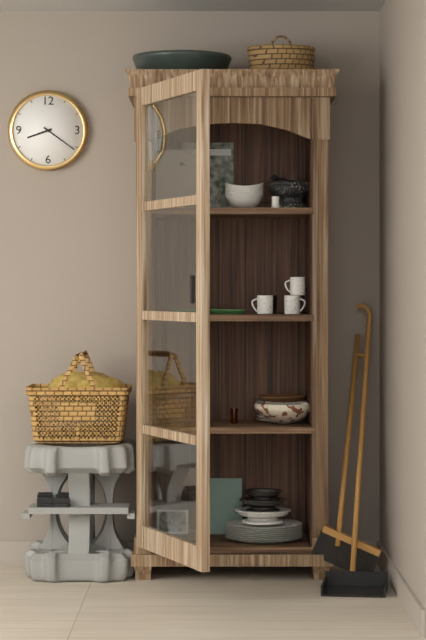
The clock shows 8.21
